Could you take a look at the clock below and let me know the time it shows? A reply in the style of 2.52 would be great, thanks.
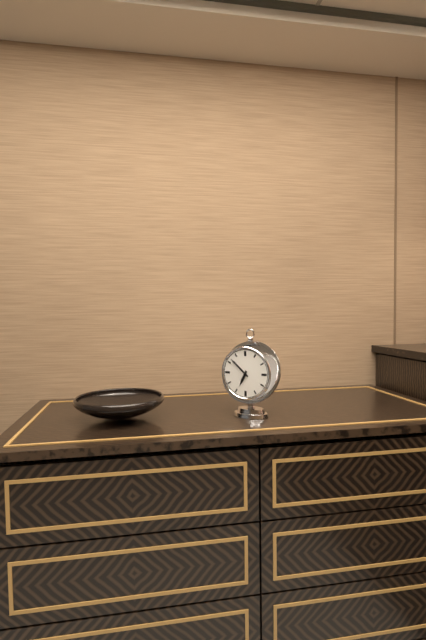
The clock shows 6.52
